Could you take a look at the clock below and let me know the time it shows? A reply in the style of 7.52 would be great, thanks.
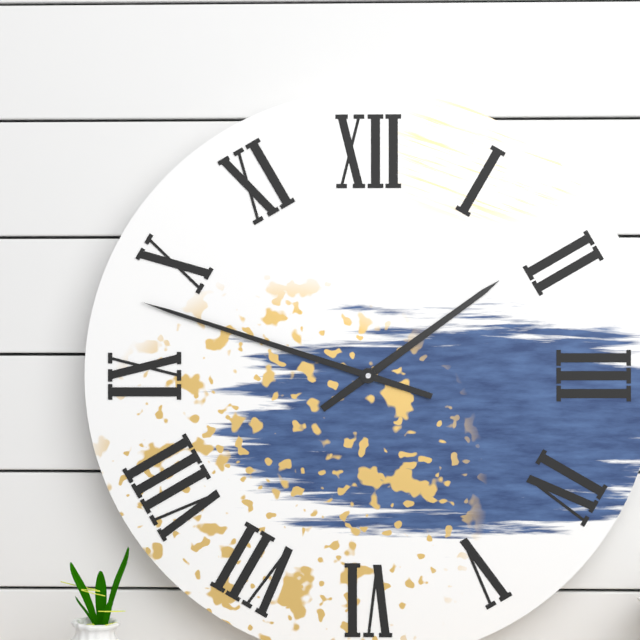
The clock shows 1.48
